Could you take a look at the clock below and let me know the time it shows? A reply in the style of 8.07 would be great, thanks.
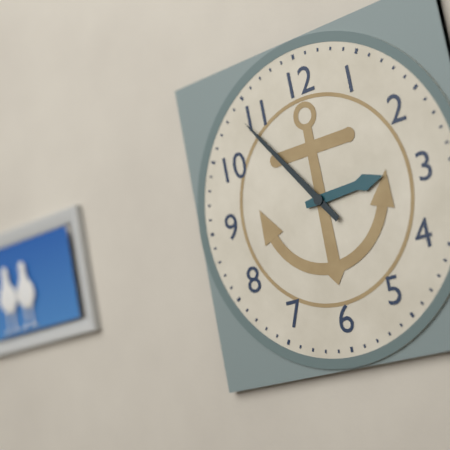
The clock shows 2.54
